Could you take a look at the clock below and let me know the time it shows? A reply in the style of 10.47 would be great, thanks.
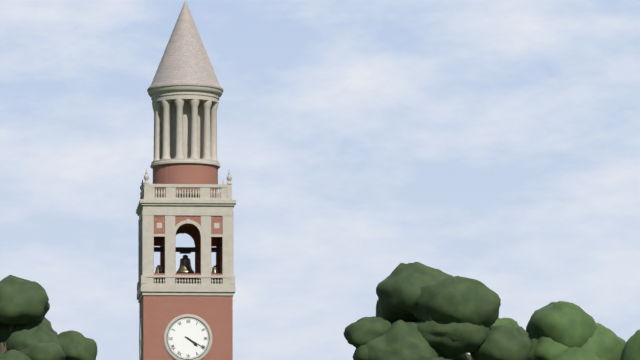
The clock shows 4.20
